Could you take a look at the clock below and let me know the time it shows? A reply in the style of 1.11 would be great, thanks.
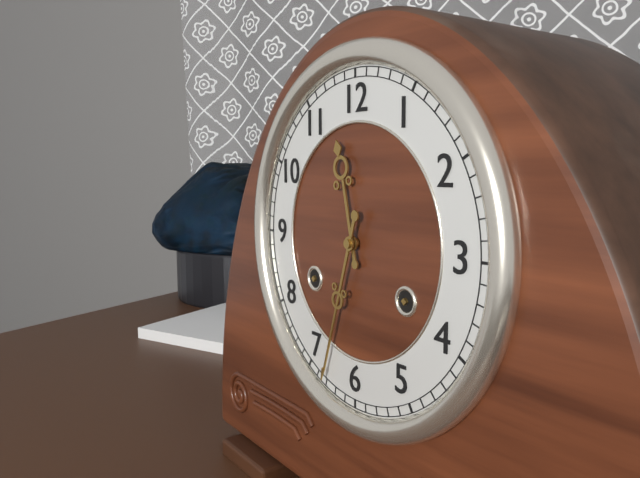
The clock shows 11.33
